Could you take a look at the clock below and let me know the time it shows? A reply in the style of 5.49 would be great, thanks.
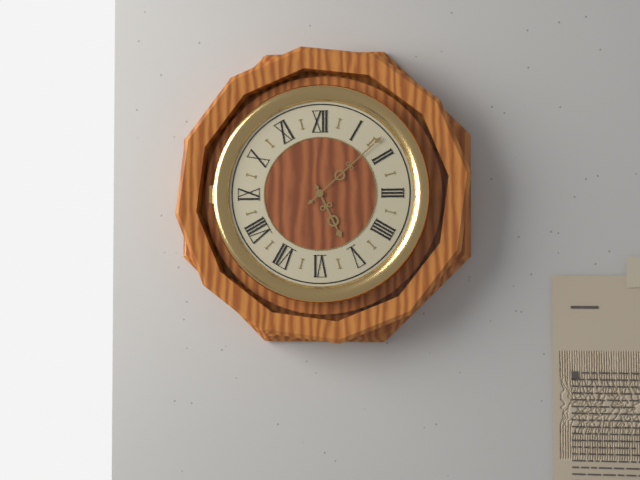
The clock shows 5.08
